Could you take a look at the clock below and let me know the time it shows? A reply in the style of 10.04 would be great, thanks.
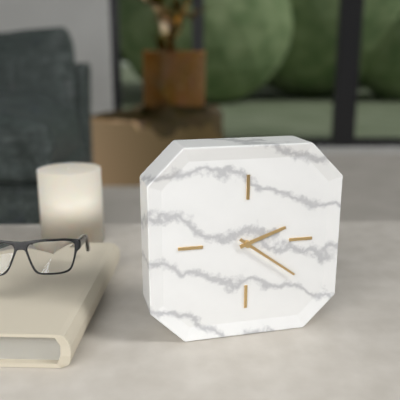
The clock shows 2.21
